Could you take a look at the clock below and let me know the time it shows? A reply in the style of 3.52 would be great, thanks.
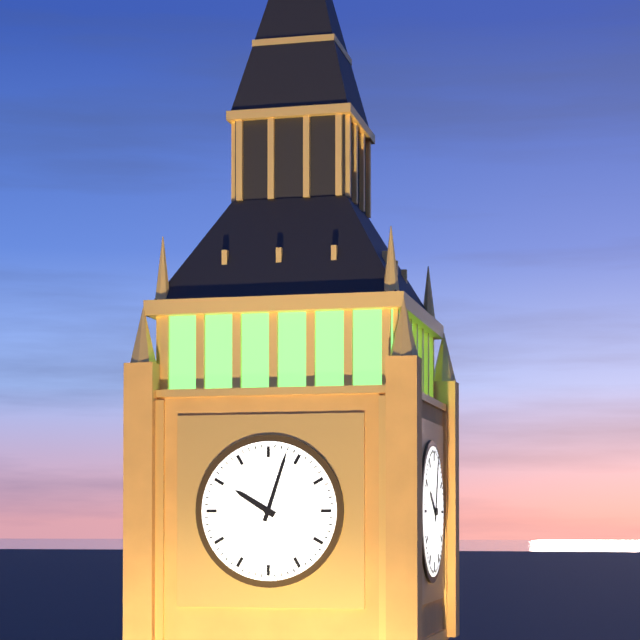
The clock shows 10.03
